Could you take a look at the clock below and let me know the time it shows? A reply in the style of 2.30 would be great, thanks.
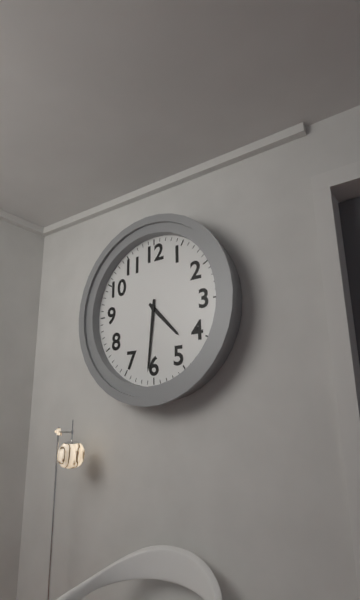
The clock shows 4.31
